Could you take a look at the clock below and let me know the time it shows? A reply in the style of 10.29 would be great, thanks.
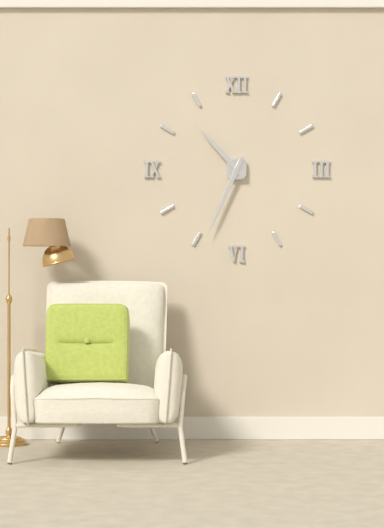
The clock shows 10.34
